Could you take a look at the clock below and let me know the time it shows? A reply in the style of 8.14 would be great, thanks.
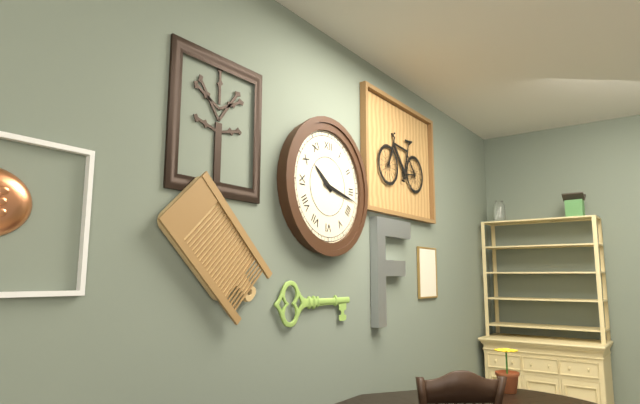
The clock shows 10.17
